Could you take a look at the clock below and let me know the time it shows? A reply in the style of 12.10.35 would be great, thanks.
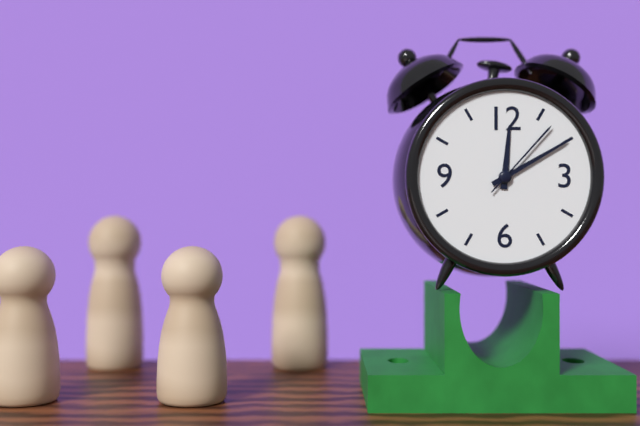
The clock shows 12.10.07
